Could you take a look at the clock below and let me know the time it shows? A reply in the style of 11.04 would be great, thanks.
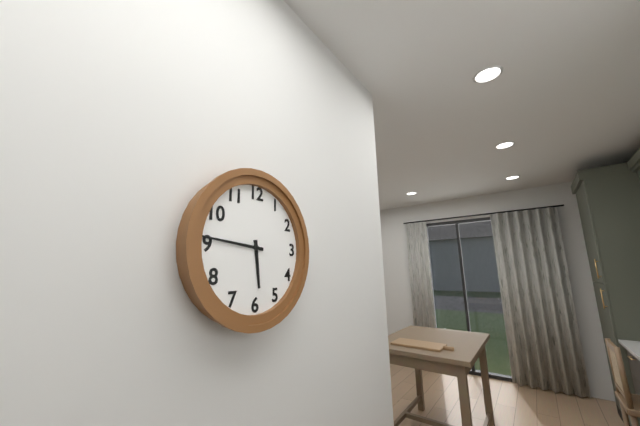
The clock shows 5.46
